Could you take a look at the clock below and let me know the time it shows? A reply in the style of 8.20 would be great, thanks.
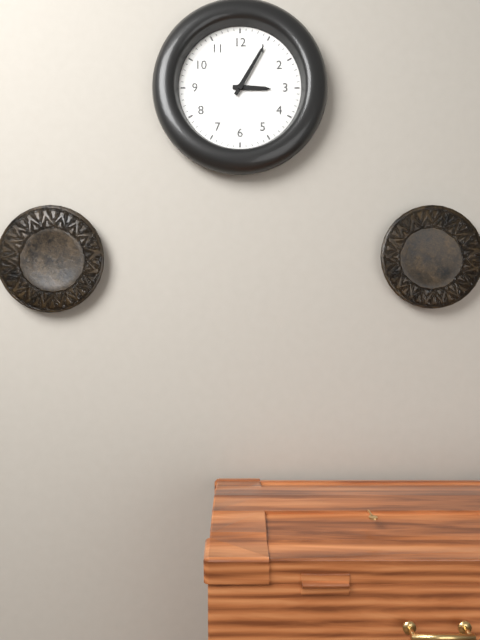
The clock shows 3.05
